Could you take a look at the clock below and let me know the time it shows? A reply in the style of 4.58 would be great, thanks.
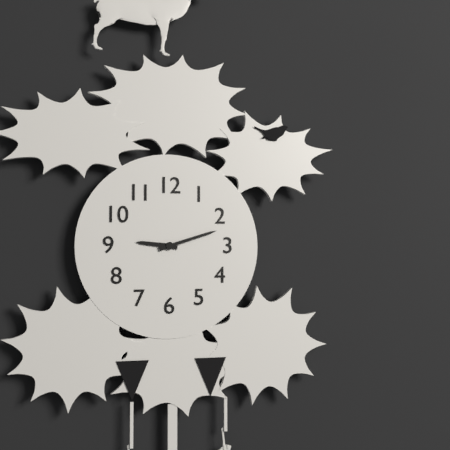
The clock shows 9.12
